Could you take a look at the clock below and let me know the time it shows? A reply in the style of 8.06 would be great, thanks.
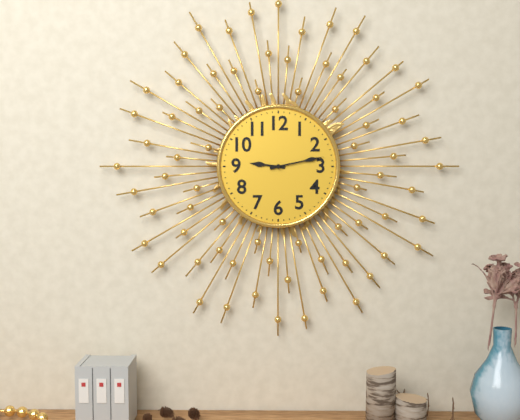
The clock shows 9.13
